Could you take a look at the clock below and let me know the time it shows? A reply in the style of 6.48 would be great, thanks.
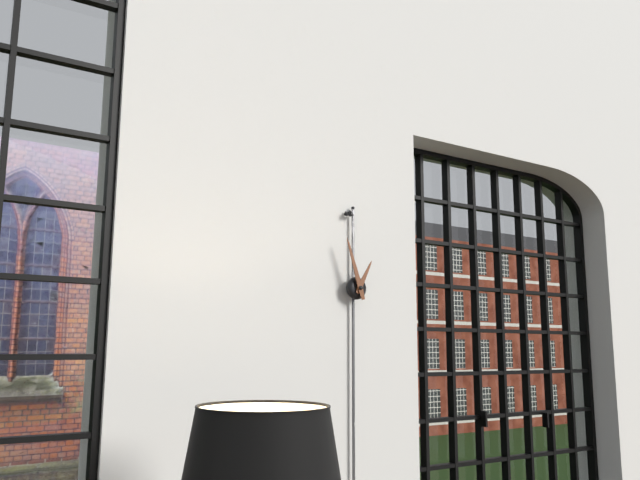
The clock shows 12.57
